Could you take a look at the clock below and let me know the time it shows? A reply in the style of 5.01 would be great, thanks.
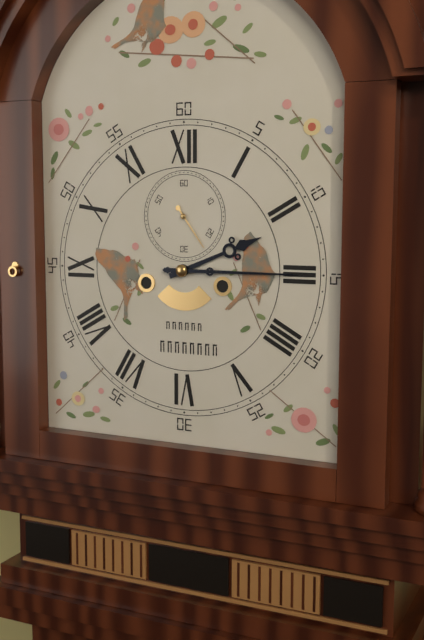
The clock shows 2.15
